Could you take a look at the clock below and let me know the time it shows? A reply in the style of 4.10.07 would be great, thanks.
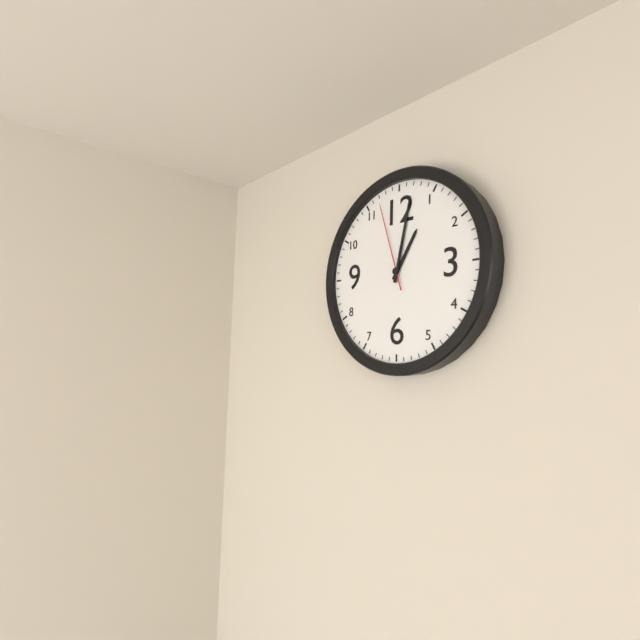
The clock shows 1.02.57
